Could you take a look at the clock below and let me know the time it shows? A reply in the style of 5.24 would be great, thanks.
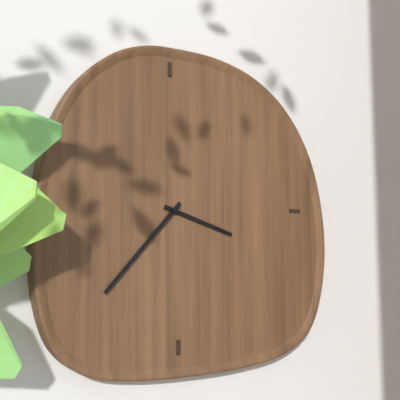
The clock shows 3.37
